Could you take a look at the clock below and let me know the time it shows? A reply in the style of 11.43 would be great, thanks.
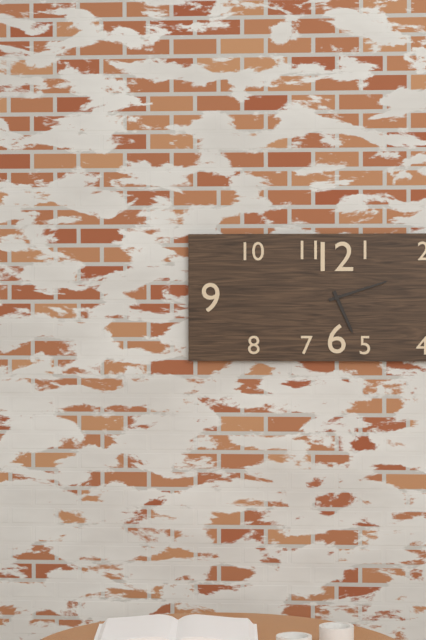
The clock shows 5.12
